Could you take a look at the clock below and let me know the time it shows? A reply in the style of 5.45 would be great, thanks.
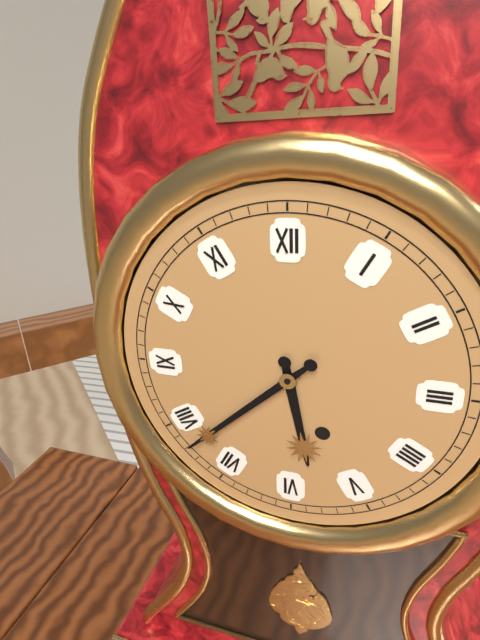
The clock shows 5.38
